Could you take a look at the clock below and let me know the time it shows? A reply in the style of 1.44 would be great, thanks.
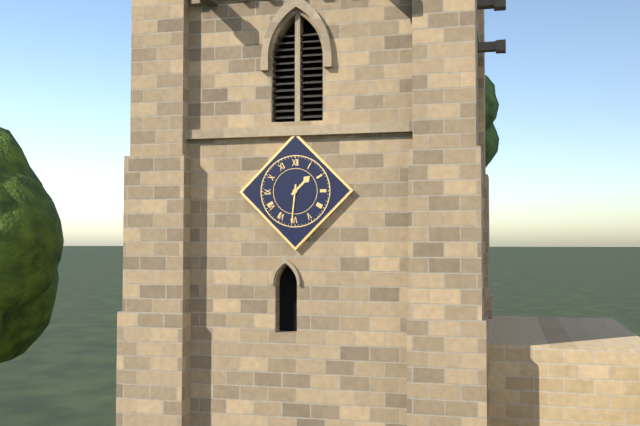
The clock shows 1.31
